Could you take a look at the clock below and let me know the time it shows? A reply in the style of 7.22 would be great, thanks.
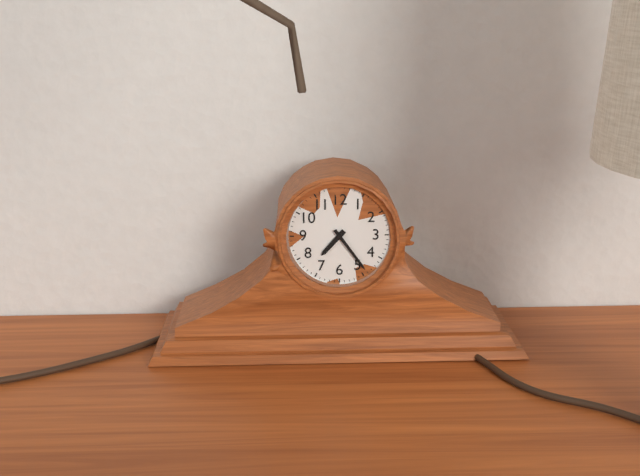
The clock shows 7.24
